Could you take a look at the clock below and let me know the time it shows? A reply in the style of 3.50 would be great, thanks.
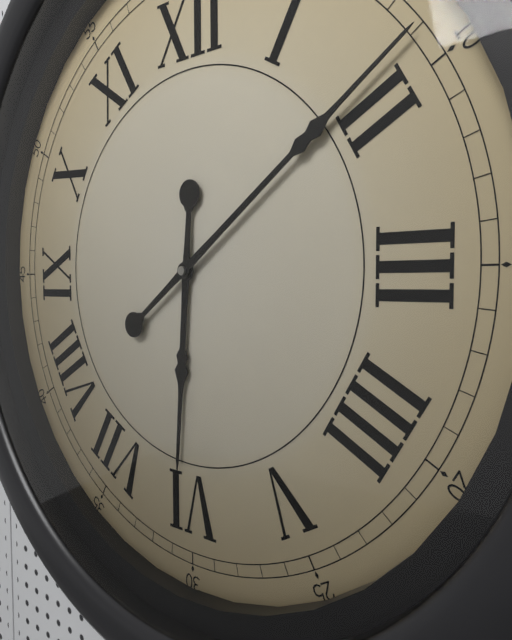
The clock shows 6.09
